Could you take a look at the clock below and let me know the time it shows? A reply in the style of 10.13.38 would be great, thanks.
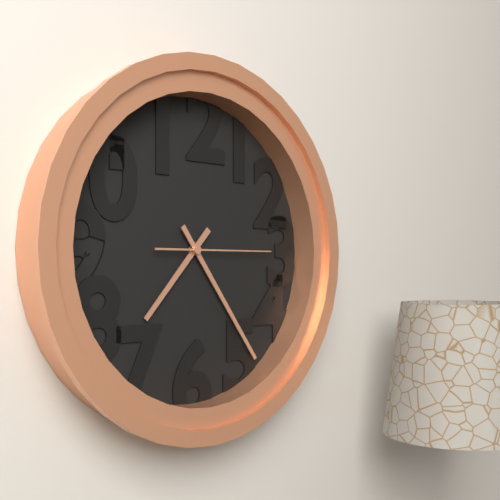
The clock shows 7.24.15
